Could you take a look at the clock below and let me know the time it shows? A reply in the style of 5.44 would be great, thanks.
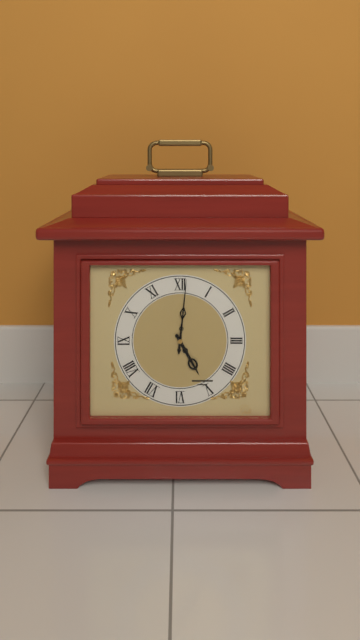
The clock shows 5.01
